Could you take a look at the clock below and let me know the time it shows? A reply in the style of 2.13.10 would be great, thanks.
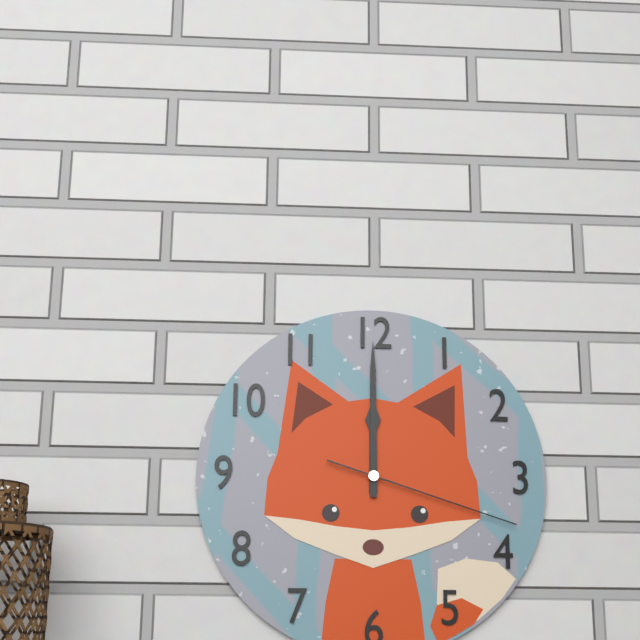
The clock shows 12.00.18
